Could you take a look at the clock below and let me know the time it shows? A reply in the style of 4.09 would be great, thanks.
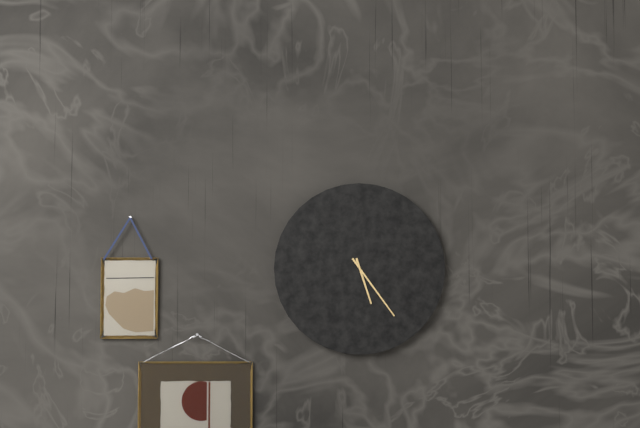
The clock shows 5.24
